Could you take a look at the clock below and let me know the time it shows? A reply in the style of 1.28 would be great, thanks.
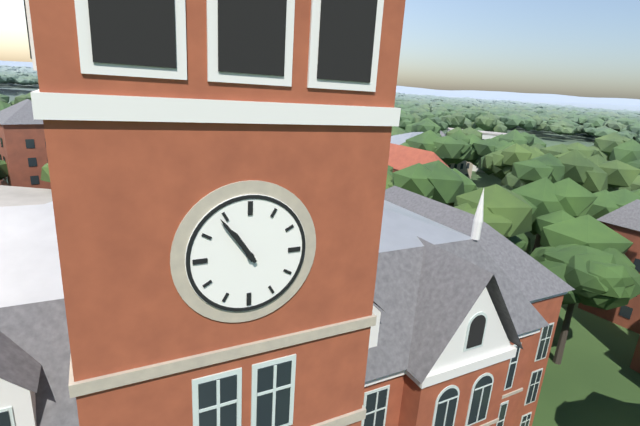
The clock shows 10.54
